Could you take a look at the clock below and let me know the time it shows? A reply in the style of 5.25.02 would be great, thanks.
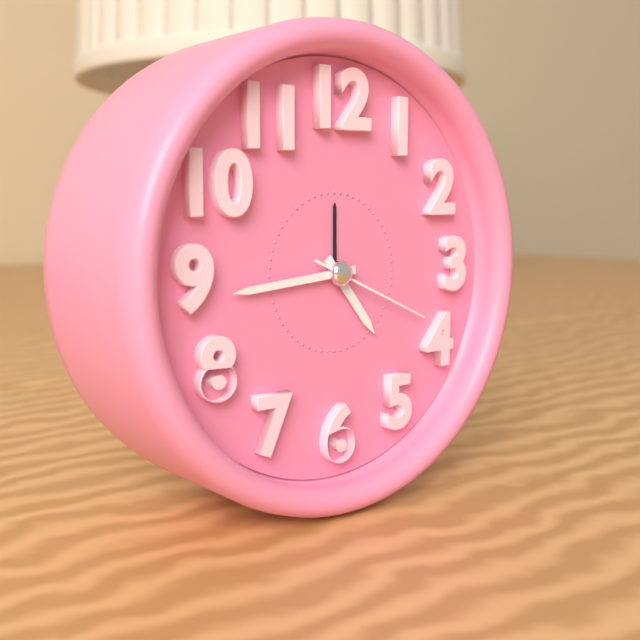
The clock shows 4.44.19
